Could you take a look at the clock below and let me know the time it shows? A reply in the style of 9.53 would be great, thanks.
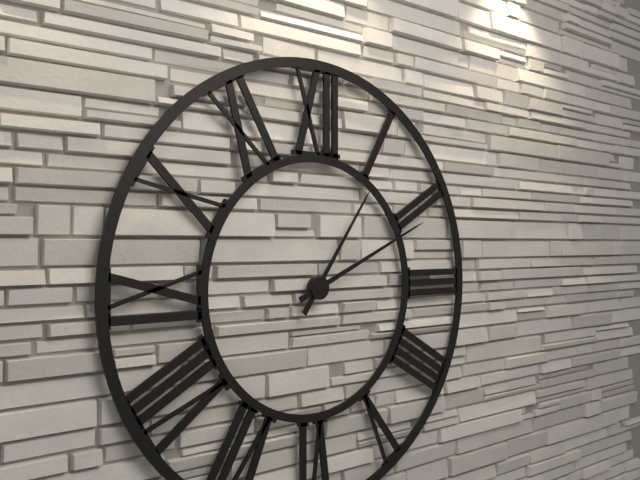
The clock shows 1.11
